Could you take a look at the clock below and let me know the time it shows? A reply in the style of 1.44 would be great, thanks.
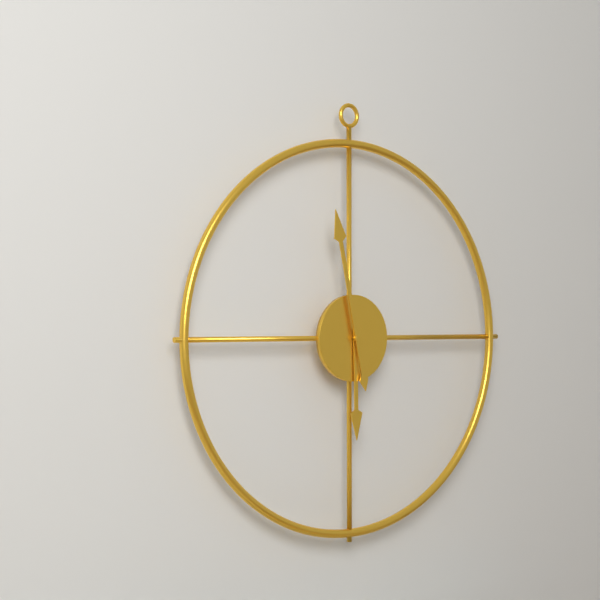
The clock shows 5.58
